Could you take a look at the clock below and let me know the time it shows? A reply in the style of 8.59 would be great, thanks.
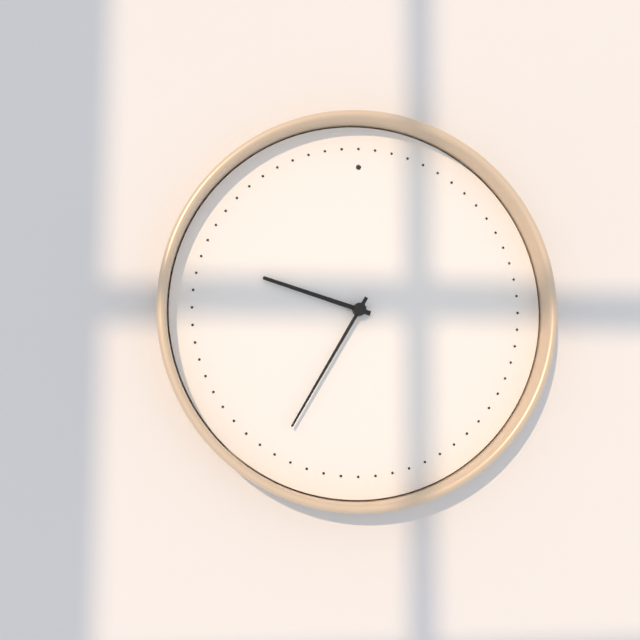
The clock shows 9.35
